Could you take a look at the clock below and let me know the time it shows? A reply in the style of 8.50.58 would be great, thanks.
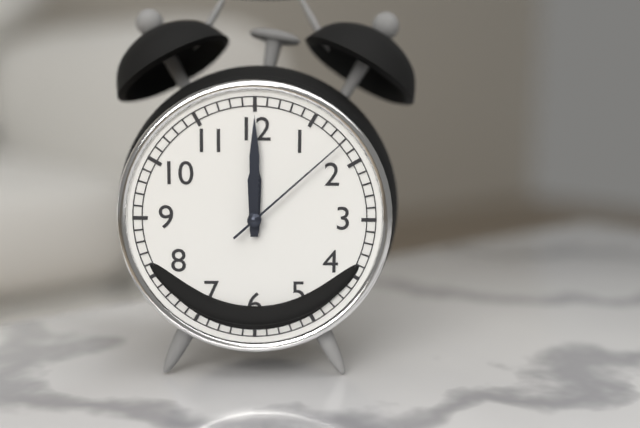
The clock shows 12.00.08
